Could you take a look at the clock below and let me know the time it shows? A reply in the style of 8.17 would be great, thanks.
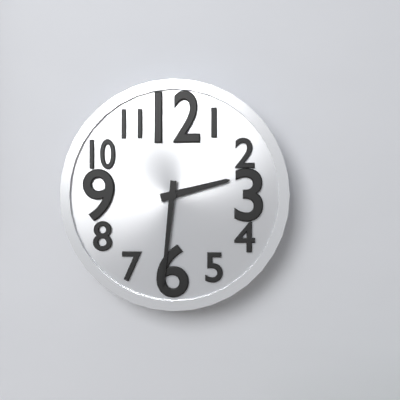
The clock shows 2.31
